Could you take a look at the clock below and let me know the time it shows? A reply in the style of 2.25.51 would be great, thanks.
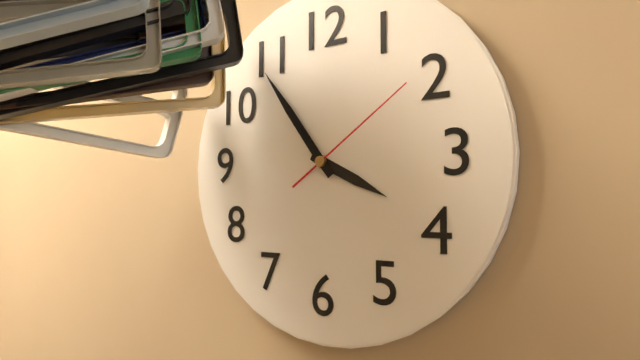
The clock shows 3.54.09
